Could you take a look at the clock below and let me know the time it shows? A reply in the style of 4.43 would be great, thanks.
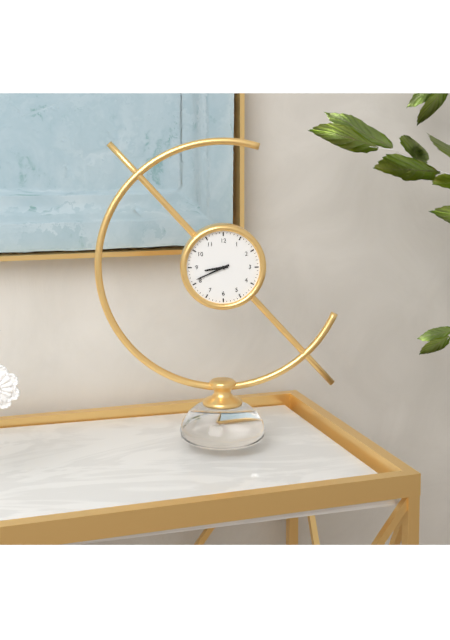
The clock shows 8.41
